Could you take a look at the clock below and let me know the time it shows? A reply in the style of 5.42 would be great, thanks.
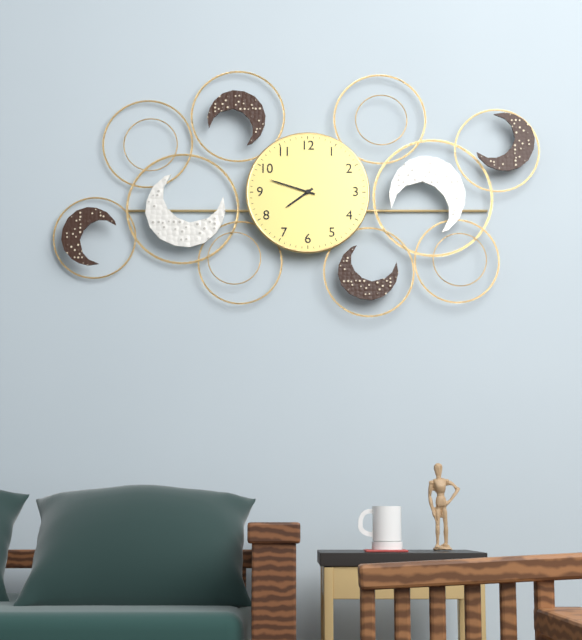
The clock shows 7.48
